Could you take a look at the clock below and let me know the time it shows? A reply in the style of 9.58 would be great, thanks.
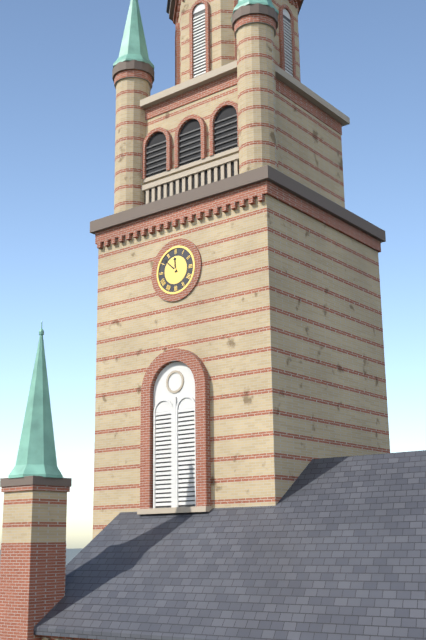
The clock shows 11.52
